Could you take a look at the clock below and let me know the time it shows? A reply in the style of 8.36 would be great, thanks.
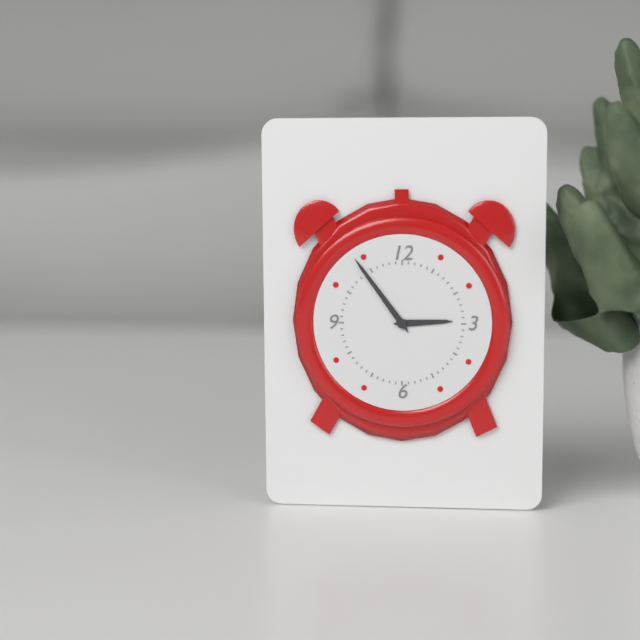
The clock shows 2.54
